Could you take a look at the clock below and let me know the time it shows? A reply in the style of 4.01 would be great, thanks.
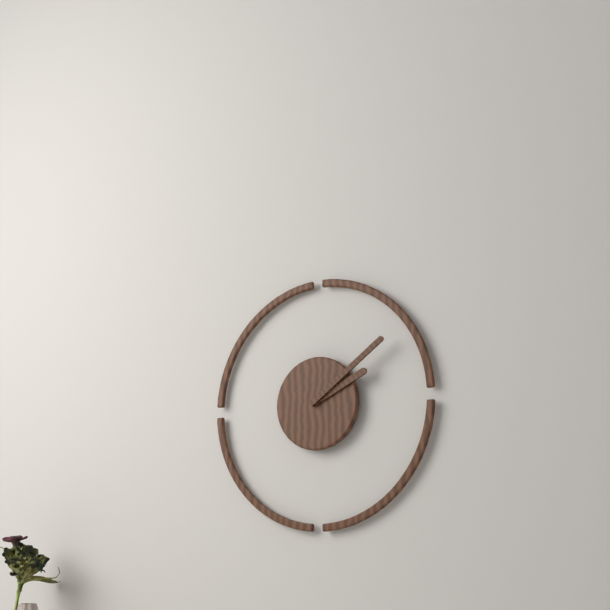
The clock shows 2.09
